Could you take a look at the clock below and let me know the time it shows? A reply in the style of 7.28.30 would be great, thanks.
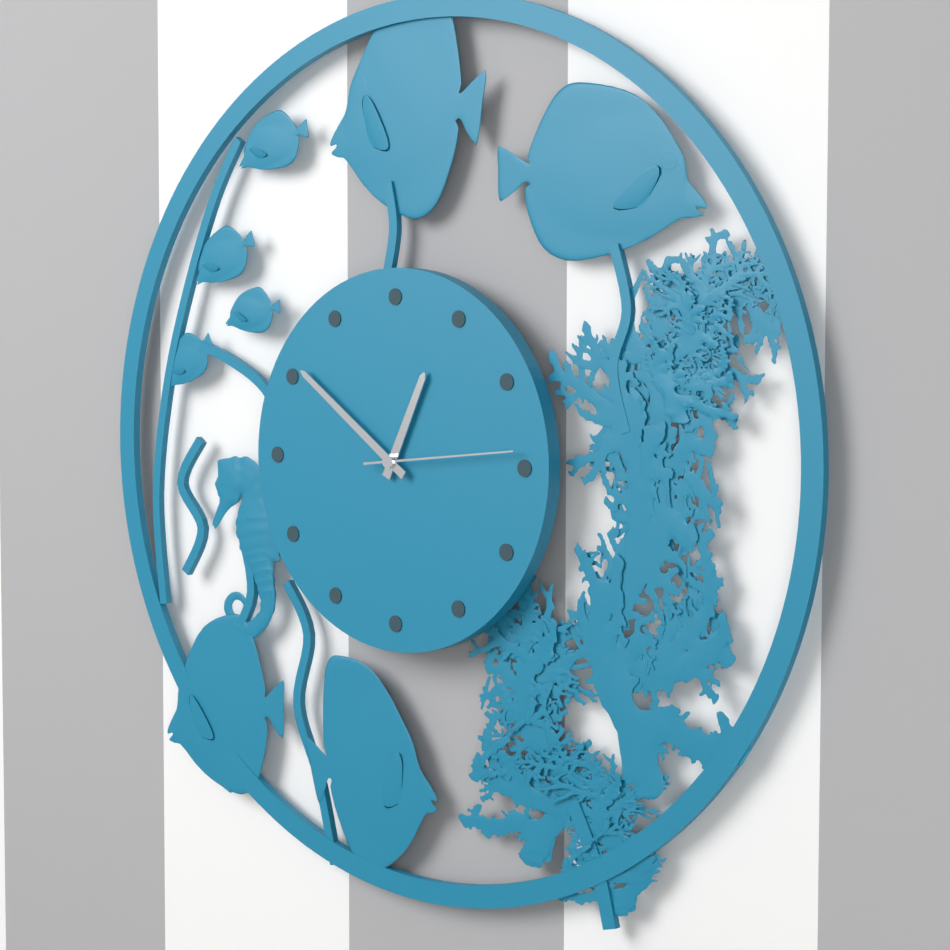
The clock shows 12.51.14
